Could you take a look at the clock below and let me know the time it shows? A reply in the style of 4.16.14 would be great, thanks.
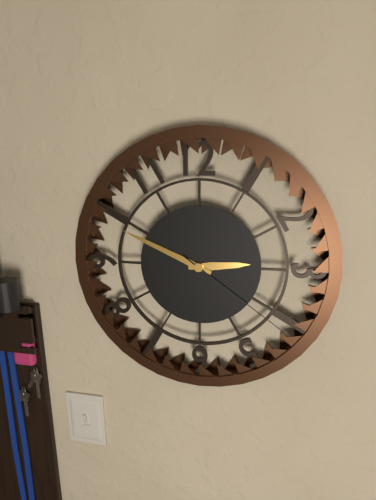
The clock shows 2.49.21
